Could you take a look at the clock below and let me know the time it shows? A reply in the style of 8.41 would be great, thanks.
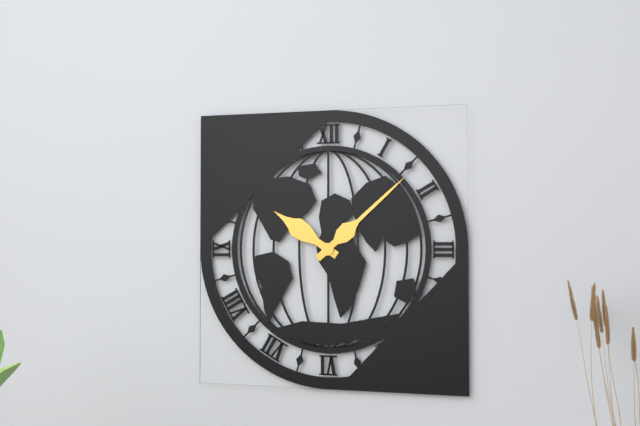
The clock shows 10.08
